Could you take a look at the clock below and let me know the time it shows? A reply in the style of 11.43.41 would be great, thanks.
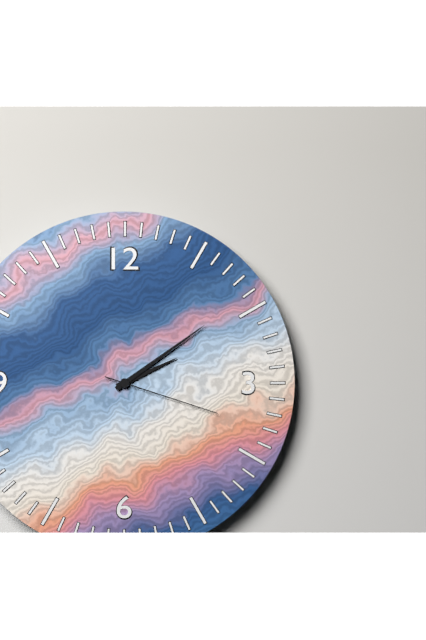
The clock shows 2.09.18
